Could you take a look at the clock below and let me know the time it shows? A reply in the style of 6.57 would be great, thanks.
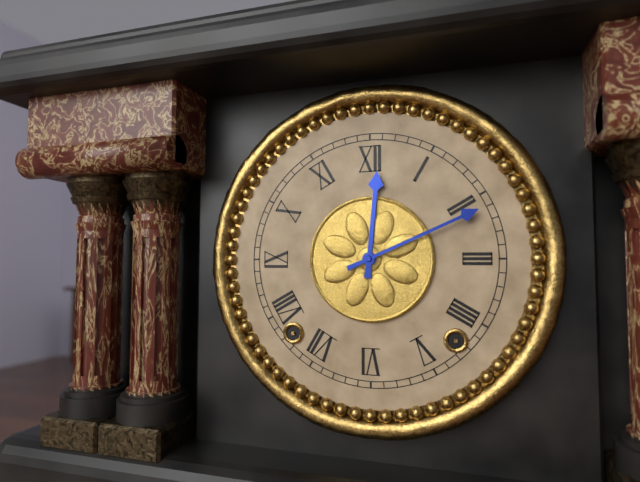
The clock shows 12.11
